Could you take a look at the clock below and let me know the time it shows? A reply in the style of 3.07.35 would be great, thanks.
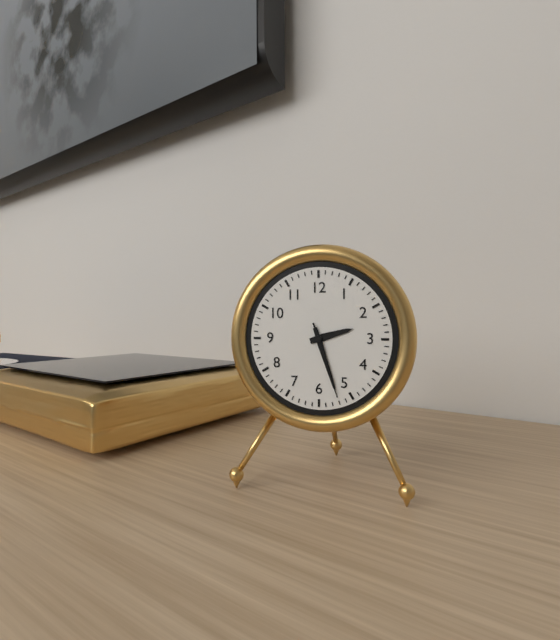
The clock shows 2.27.27
